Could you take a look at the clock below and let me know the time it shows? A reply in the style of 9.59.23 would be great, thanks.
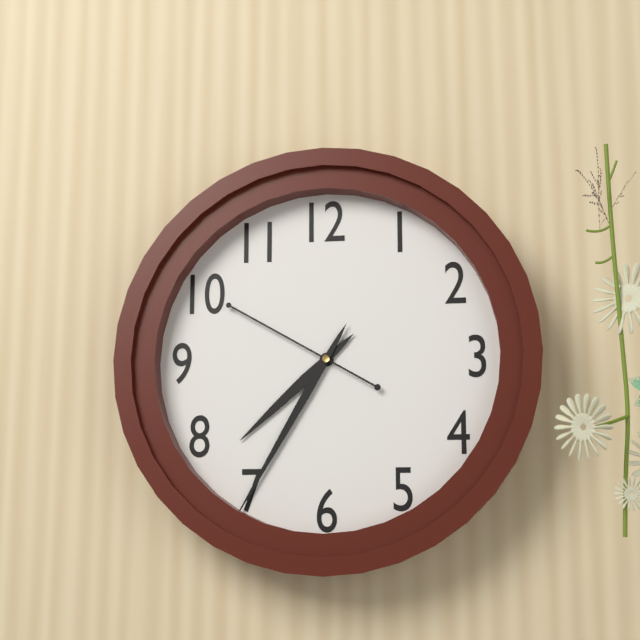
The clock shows 7.35.50
